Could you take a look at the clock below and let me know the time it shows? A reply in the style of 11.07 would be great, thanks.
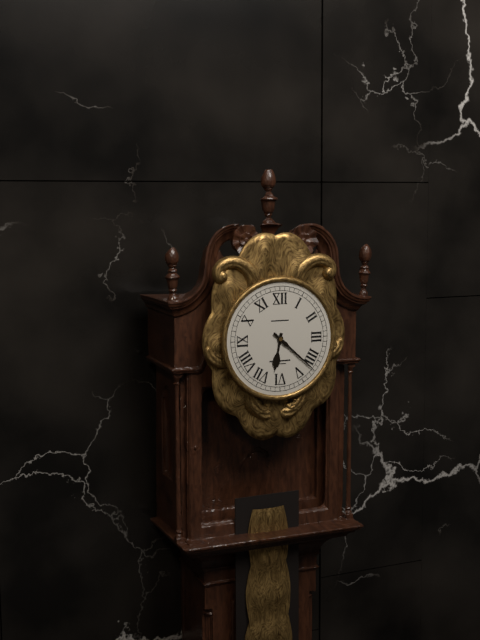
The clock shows 6.22
